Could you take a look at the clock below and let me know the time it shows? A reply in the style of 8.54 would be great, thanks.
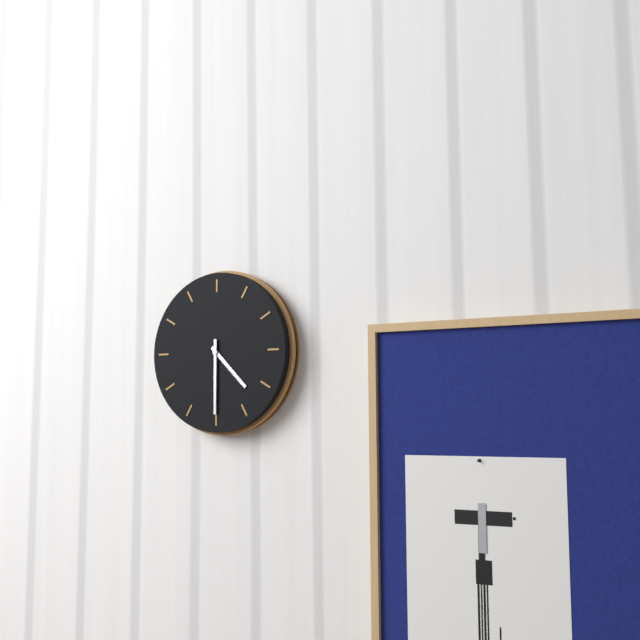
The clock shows 4.30
